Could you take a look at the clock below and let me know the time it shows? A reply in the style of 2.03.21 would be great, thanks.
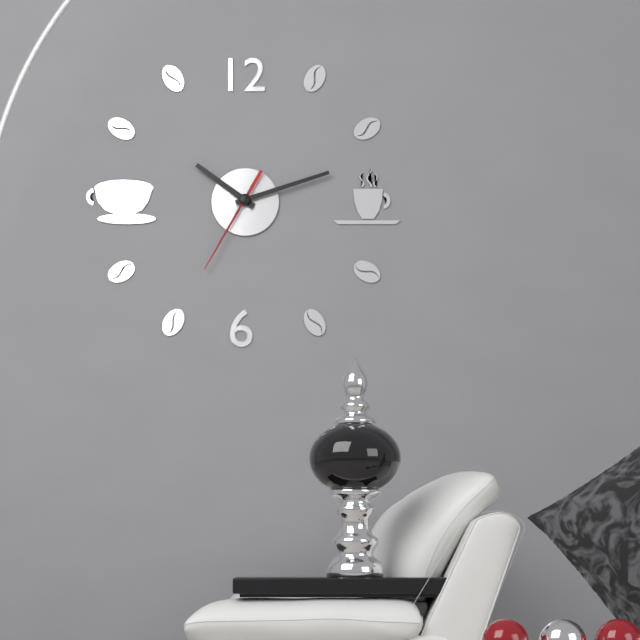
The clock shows 10.12.35
